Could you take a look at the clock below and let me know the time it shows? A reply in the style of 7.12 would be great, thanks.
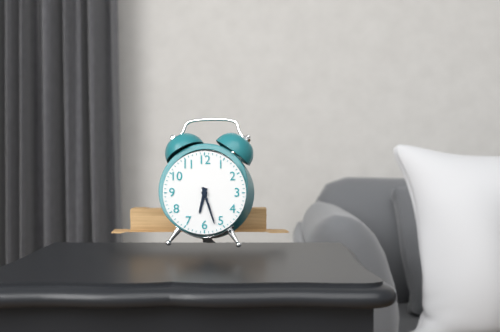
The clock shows 6.27
